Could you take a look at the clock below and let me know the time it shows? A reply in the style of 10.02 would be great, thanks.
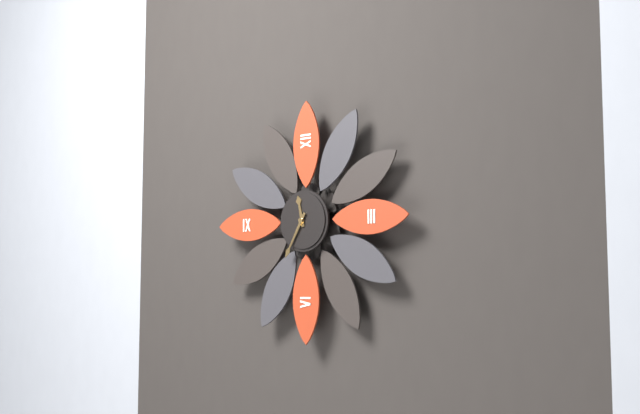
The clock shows 11.35
